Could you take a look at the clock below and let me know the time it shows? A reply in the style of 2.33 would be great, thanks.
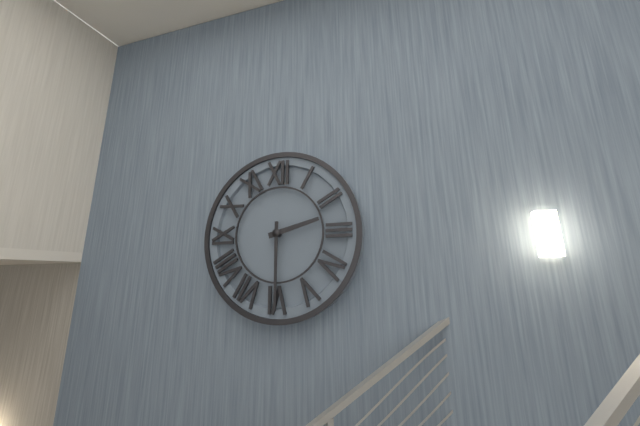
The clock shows 2.30
